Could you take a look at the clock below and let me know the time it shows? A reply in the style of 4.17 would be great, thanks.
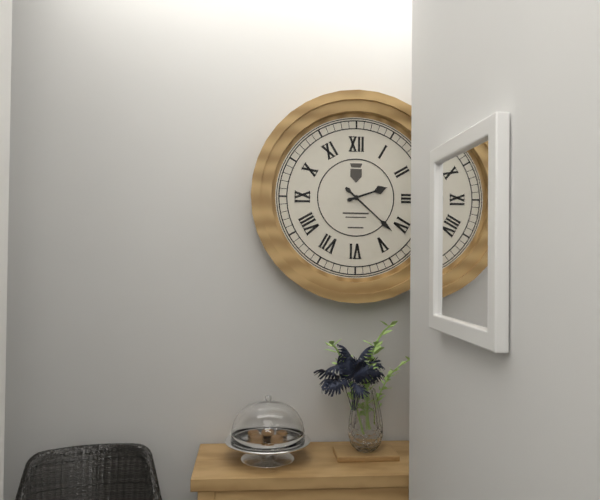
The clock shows 2.22
